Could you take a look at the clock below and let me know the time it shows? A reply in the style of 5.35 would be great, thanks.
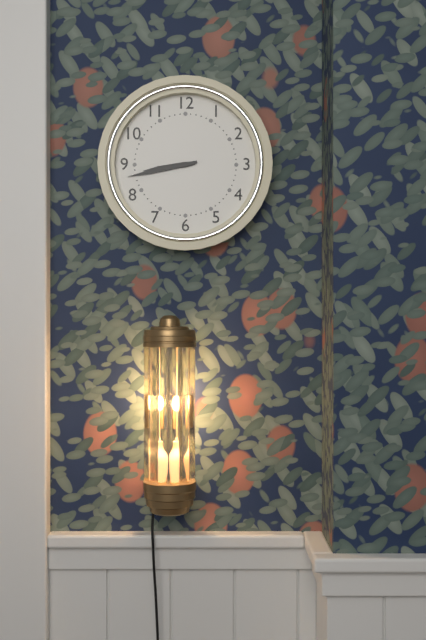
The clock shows 8.43
